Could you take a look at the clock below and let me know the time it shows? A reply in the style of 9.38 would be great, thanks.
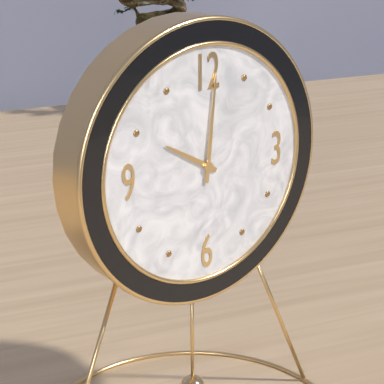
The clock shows 10.01
